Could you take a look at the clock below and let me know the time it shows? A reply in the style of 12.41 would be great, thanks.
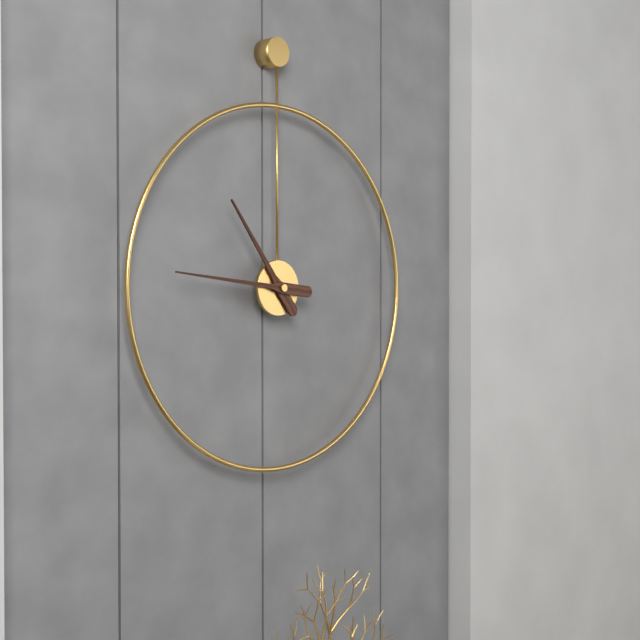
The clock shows 10.46
